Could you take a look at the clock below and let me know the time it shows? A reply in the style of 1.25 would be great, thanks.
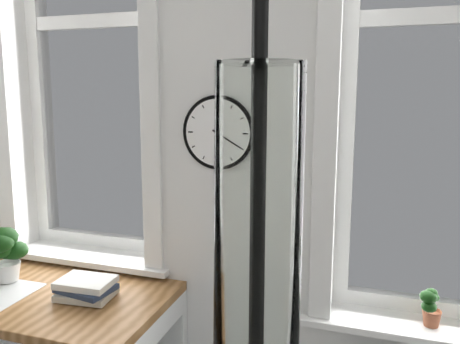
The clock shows 5.20
